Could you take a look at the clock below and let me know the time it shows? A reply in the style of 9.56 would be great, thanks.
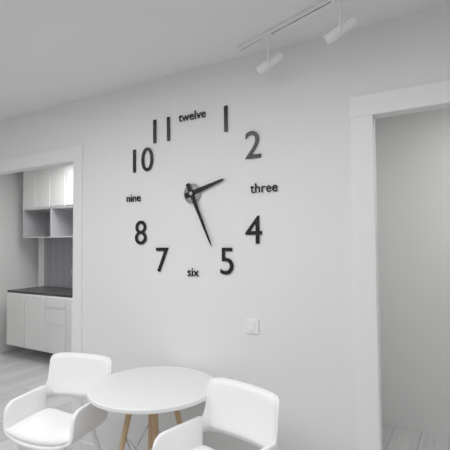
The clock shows 2.26
